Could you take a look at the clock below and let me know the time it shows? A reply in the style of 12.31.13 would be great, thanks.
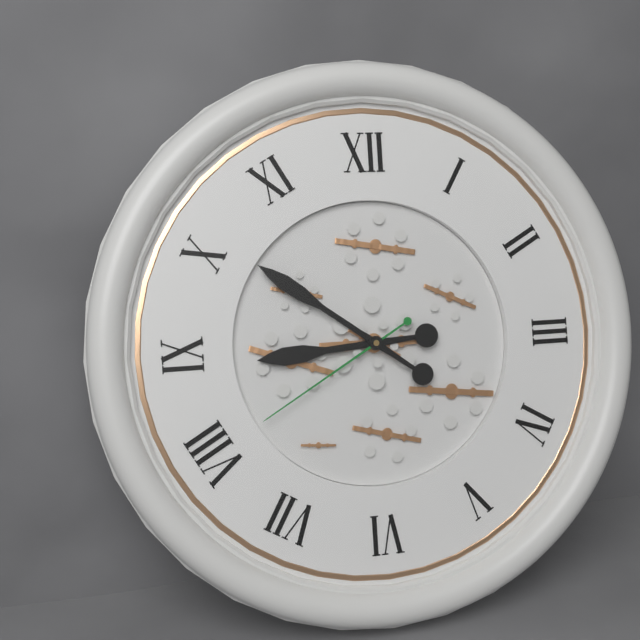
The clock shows 8.51.40
